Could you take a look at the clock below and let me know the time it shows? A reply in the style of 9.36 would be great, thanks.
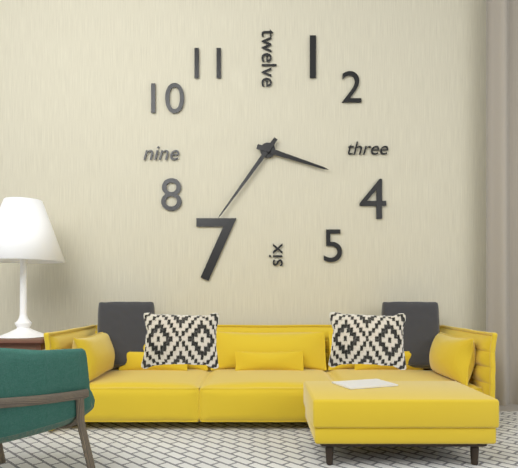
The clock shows 3.36
